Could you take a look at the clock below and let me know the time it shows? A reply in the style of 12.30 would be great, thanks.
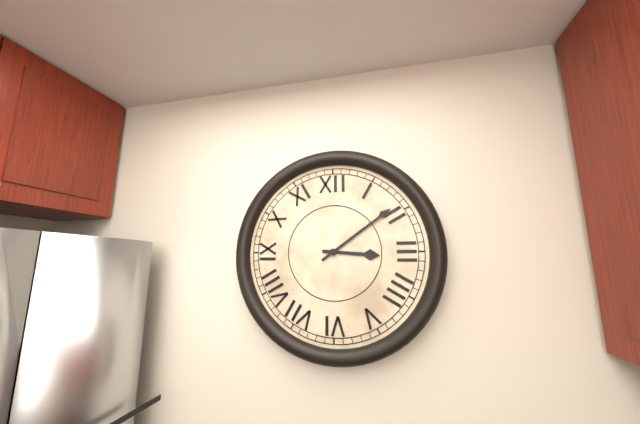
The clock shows 3.09
